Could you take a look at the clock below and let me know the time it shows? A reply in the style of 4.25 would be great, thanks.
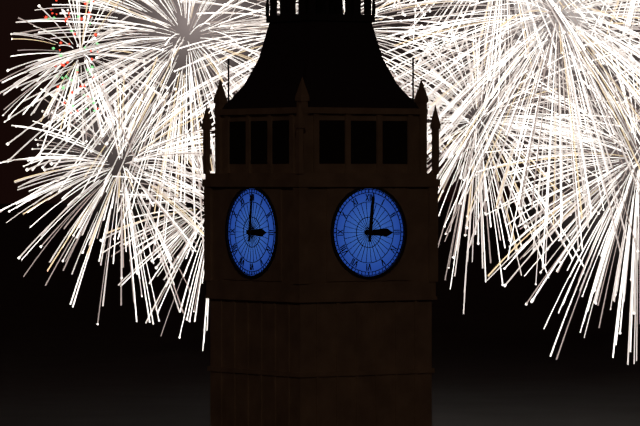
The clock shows 3.01
